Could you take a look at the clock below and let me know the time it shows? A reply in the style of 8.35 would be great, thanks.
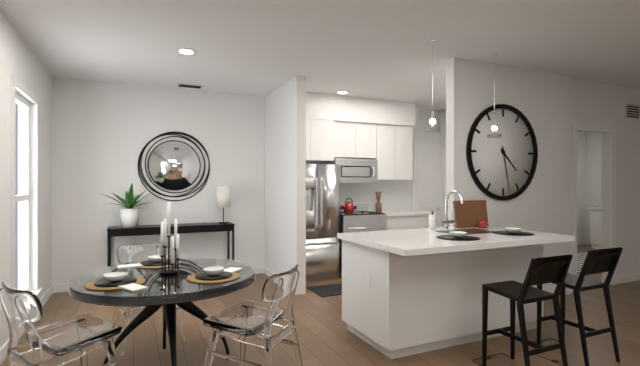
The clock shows 4.28
